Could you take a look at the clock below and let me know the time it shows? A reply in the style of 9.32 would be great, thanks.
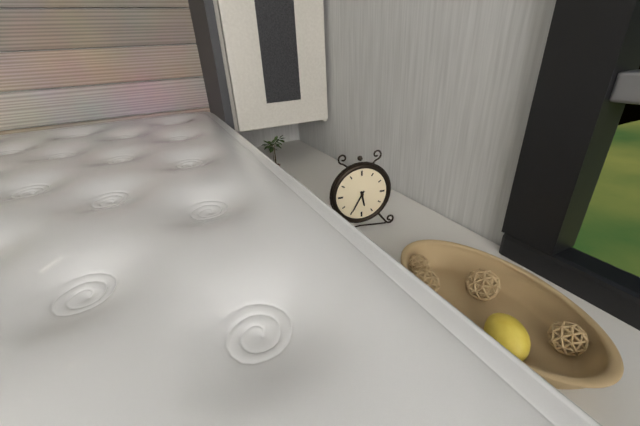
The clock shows 5.35
